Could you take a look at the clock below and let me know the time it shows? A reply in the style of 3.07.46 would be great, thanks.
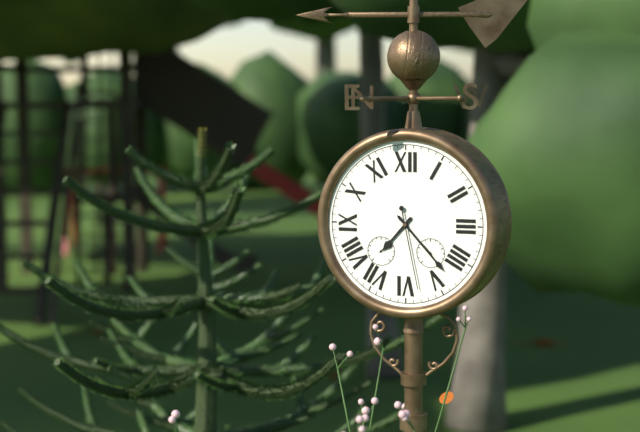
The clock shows 7.23.28
